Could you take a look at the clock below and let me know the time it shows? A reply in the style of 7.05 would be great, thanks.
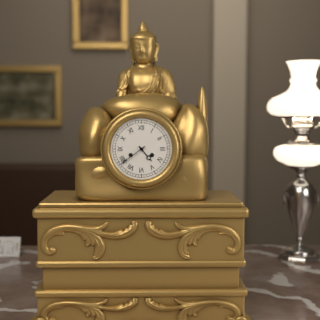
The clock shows 4.39
